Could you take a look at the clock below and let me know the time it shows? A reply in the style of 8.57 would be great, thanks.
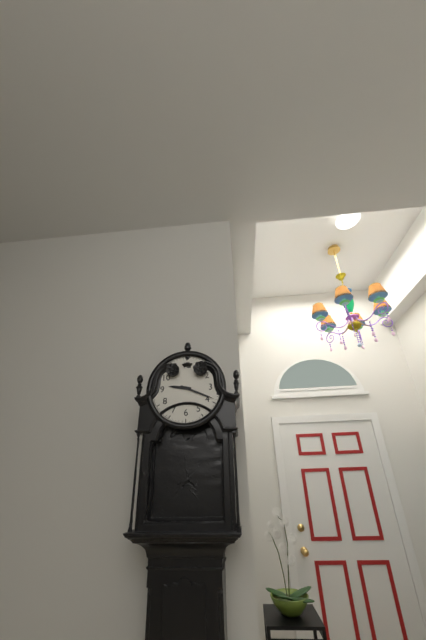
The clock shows 9.19
